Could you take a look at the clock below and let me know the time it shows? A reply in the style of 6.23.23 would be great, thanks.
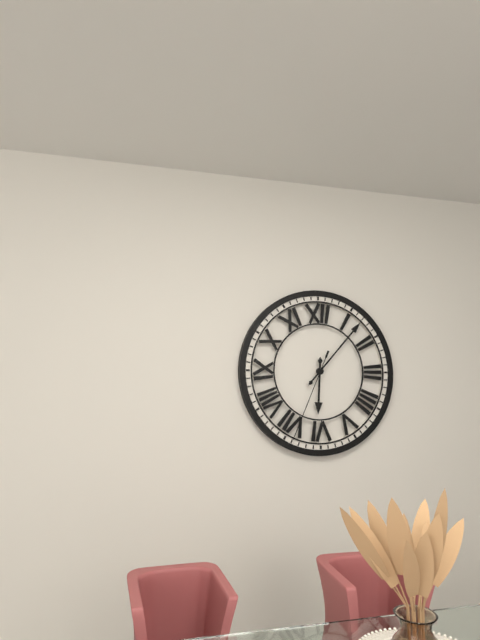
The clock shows 6.07.34
